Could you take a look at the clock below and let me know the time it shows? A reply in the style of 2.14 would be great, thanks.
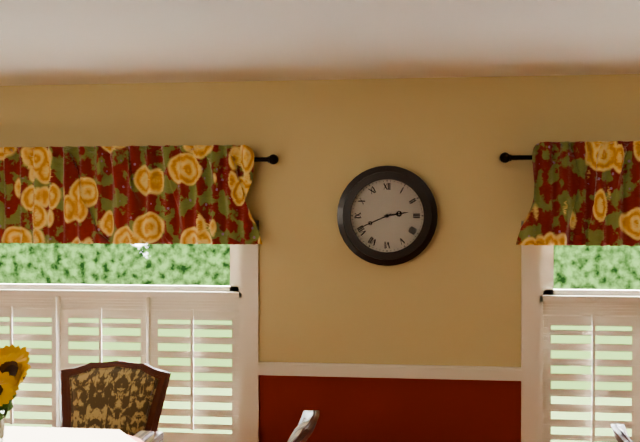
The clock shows 2.41
